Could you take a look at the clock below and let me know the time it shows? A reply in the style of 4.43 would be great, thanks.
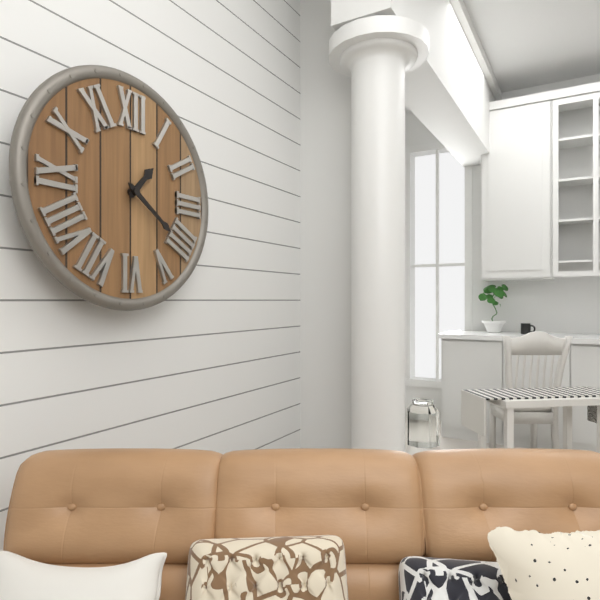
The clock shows 1.21
